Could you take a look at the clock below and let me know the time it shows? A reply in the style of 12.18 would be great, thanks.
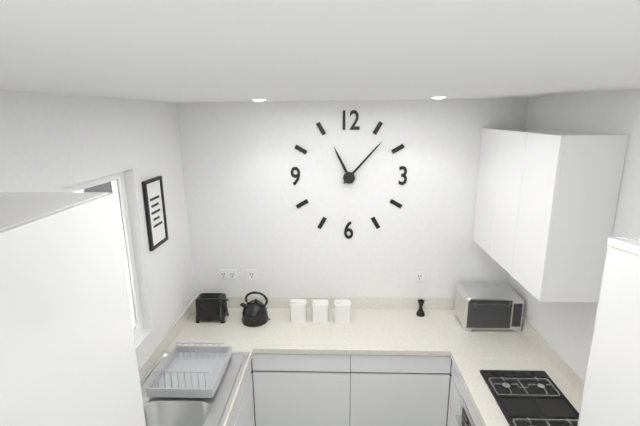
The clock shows 11.07
